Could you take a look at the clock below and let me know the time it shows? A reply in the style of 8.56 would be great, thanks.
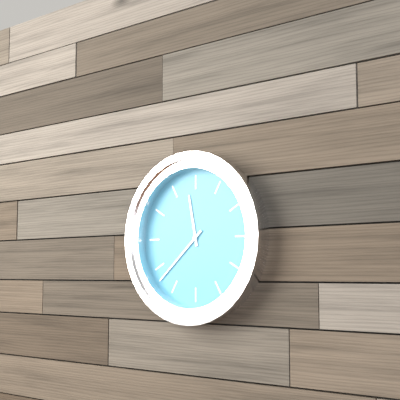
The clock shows 11.38
